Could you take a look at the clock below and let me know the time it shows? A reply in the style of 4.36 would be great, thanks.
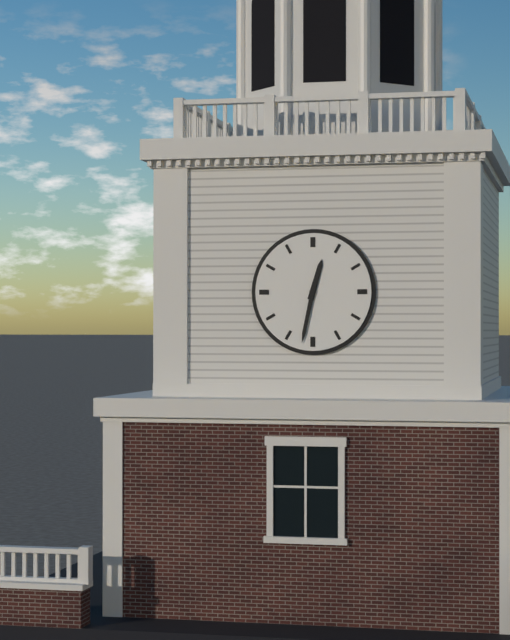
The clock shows 12.32
